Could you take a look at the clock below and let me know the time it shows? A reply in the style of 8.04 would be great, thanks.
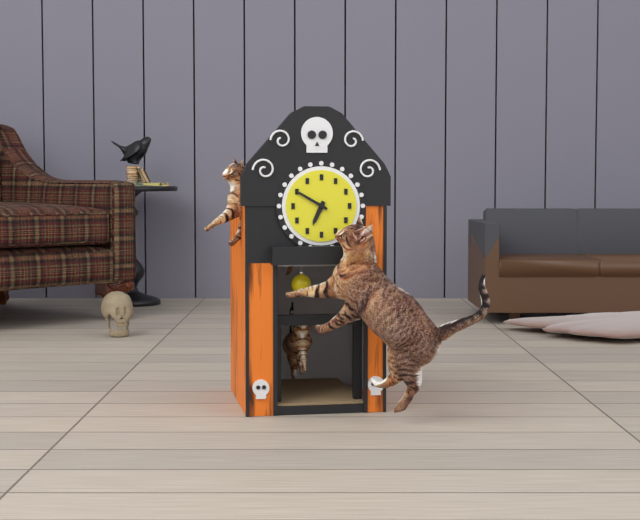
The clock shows 6.50
